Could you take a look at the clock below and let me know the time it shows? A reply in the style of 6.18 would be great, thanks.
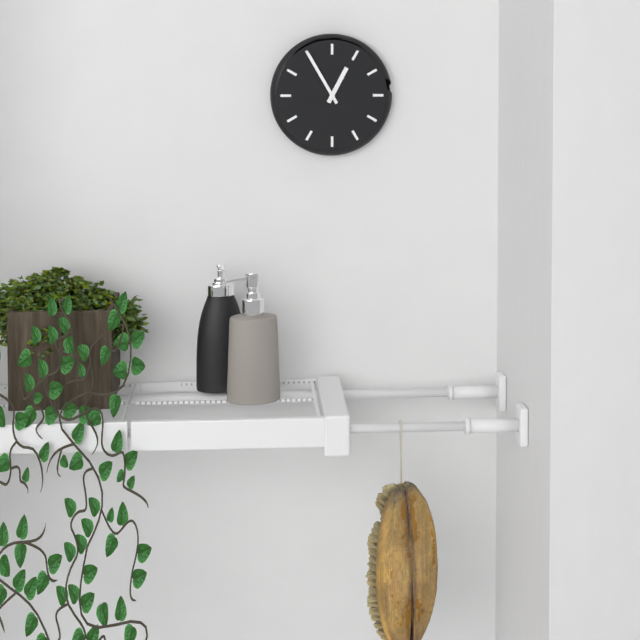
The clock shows 12.55
